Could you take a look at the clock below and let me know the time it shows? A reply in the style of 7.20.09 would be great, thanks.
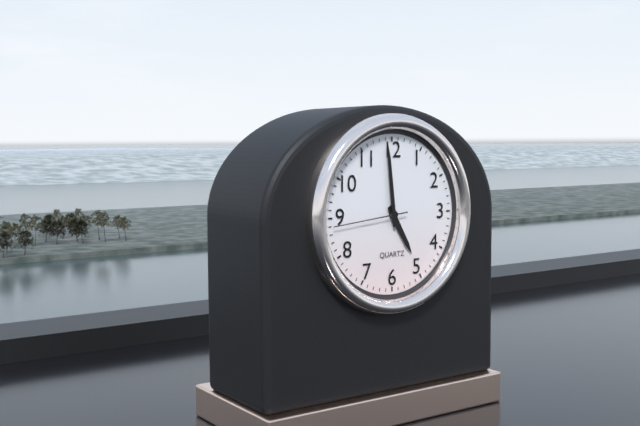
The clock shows 4.59.44
